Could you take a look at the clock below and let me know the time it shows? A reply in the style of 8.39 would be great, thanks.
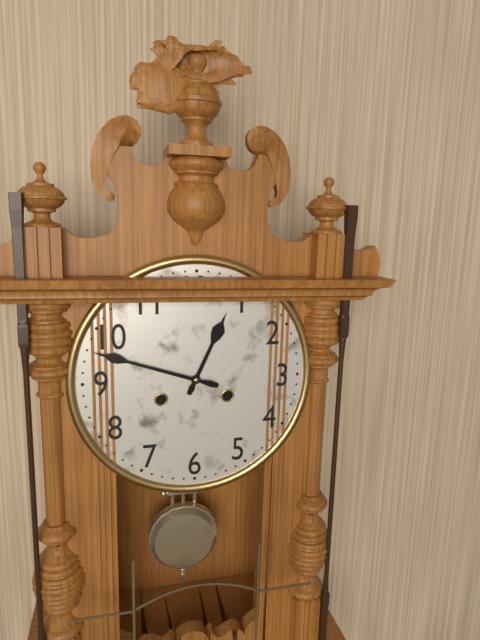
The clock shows 12.48
